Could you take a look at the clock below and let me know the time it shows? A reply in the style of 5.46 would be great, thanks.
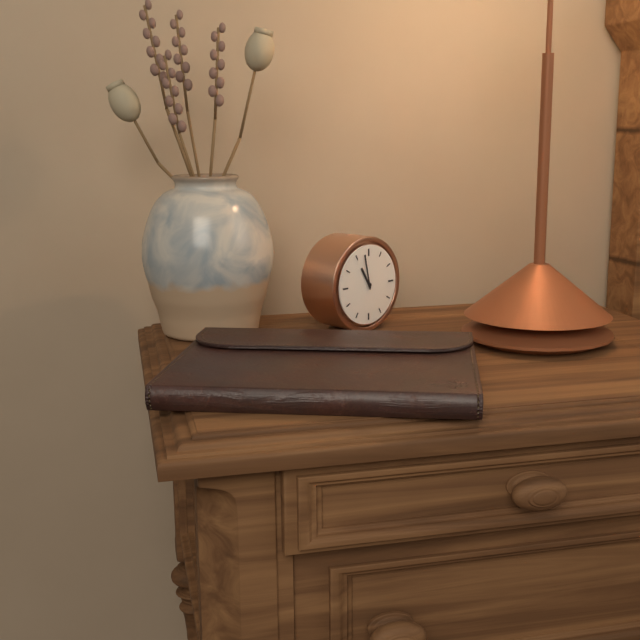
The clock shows 10.58
